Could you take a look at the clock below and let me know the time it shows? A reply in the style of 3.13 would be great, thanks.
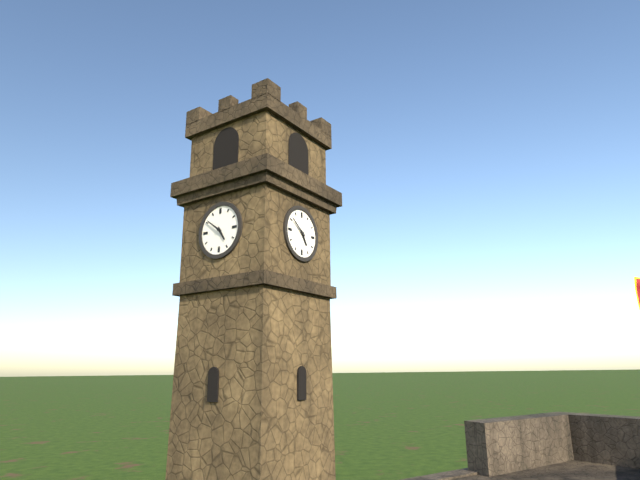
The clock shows 4.51
